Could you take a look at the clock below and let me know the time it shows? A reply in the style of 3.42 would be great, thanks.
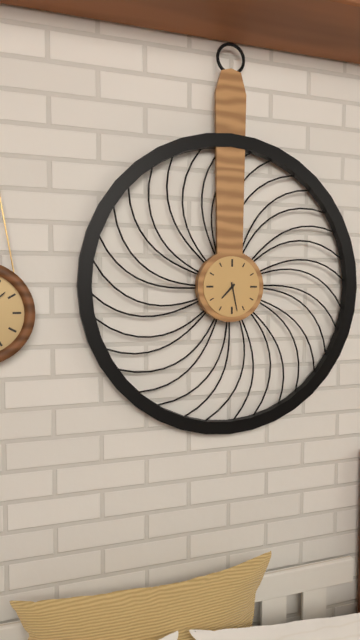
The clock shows 7.28
